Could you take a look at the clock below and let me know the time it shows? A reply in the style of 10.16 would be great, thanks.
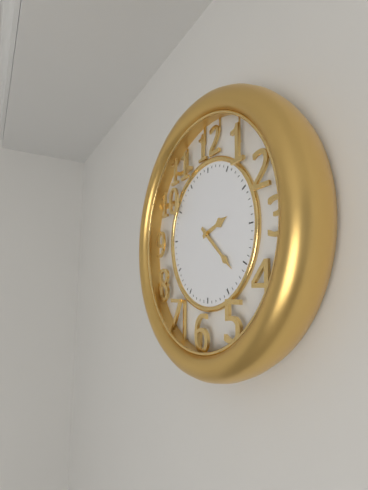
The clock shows 2.22
